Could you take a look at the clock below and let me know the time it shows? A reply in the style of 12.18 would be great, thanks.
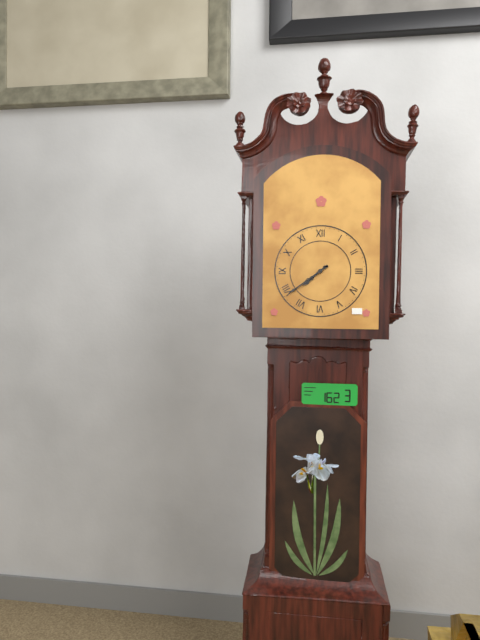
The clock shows 7.39
